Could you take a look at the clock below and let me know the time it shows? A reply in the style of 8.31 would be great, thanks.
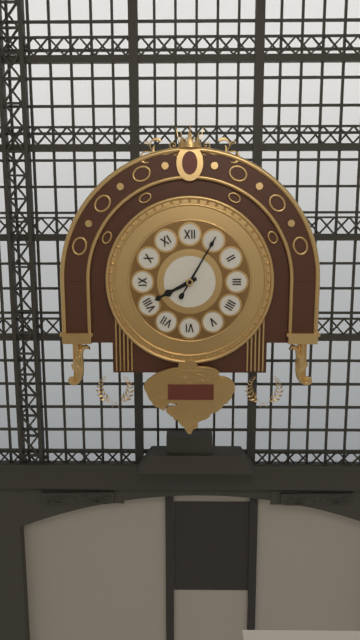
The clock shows 8.05
